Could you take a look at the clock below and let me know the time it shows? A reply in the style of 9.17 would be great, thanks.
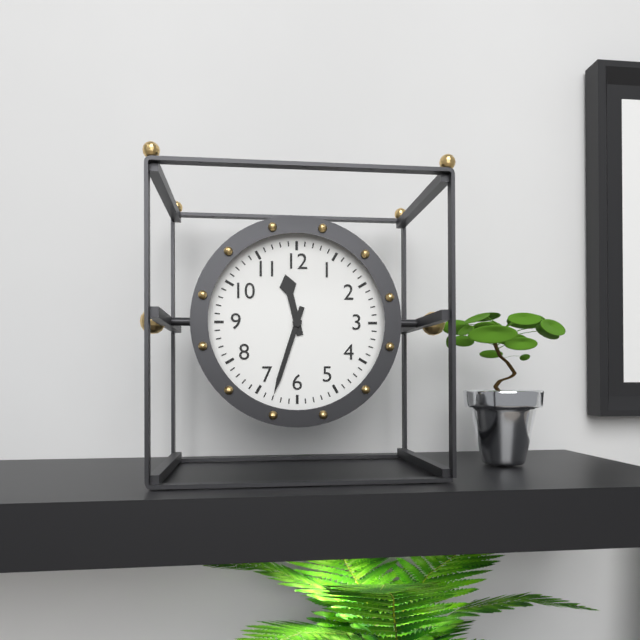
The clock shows 11.33
